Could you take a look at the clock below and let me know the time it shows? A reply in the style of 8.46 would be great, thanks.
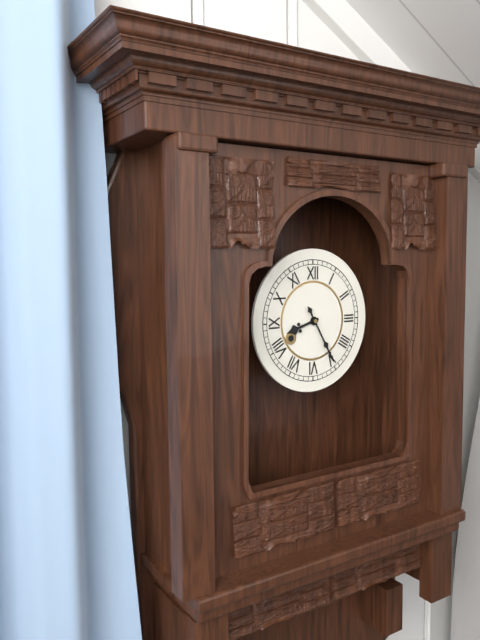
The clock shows 8.25
